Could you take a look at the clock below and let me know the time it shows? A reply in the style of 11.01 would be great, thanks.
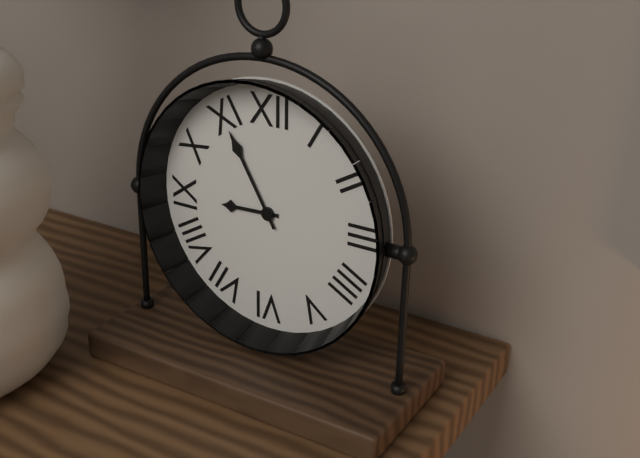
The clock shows 8.55
